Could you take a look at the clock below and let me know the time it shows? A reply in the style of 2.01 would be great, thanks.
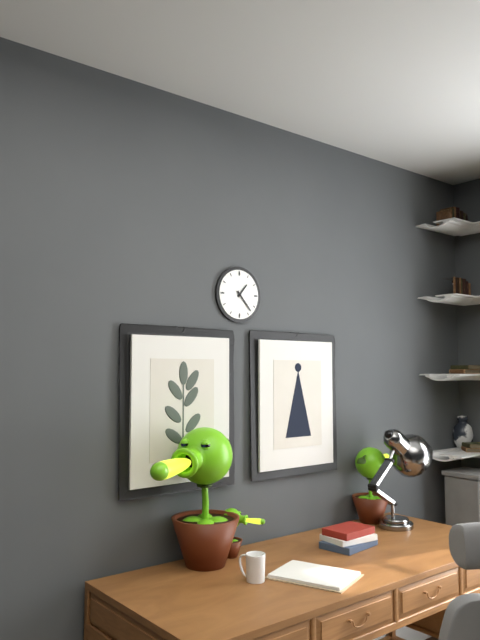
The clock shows 1.23
